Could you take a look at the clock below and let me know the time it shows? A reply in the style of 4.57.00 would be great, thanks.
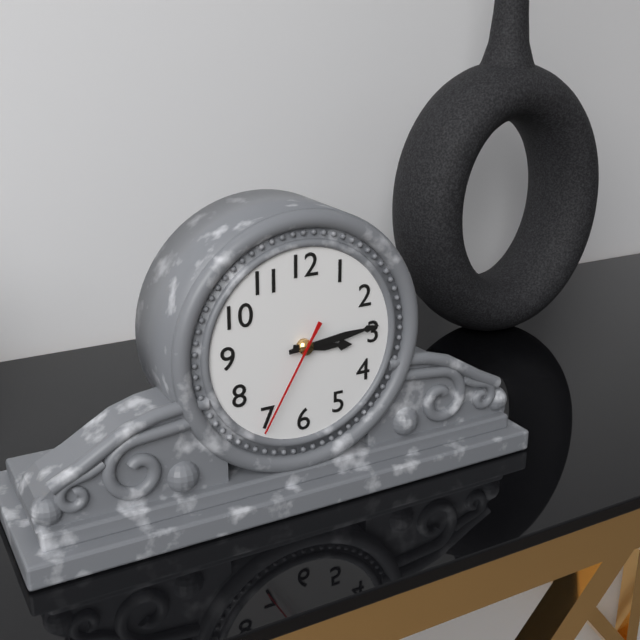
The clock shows 3.14.35
